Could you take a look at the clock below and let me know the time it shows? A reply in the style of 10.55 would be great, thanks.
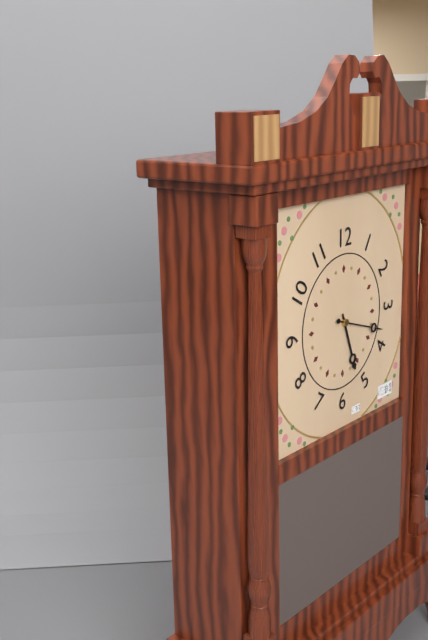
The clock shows 5.18
